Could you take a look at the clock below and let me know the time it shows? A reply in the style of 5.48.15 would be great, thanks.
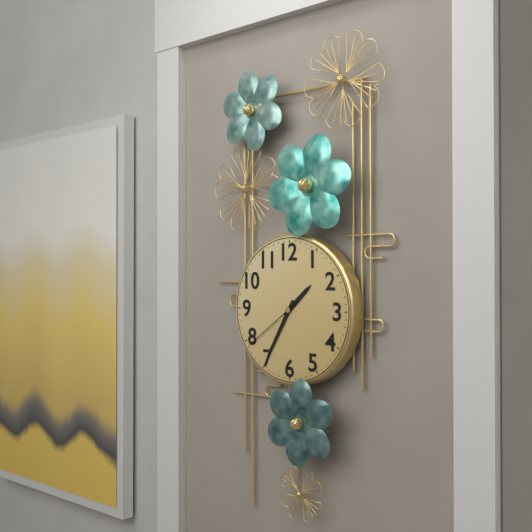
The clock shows 1.35.39
